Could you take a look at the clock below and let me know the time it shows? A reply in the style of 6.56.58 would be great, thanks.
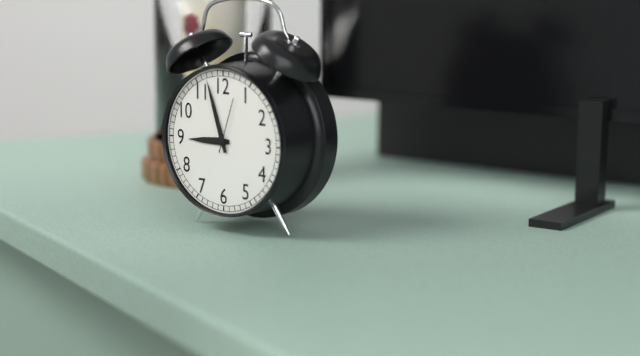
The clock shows 8.57.03
